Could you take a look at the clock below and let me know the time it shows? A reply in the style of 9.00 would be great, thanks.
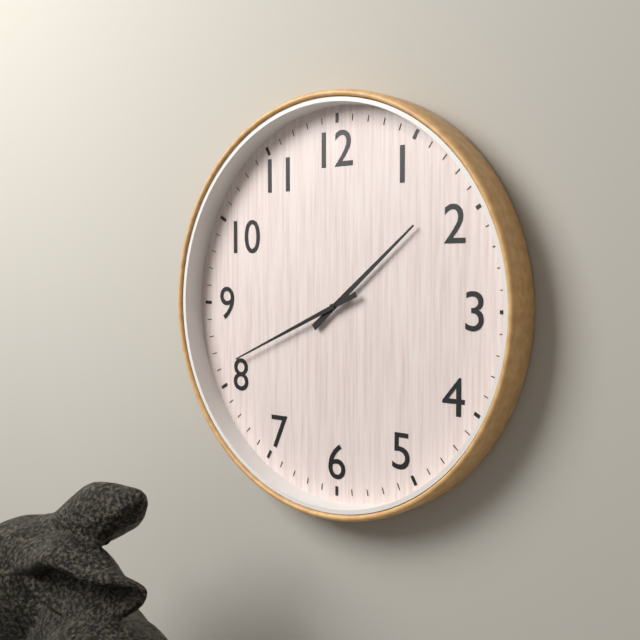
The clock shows 1.41
